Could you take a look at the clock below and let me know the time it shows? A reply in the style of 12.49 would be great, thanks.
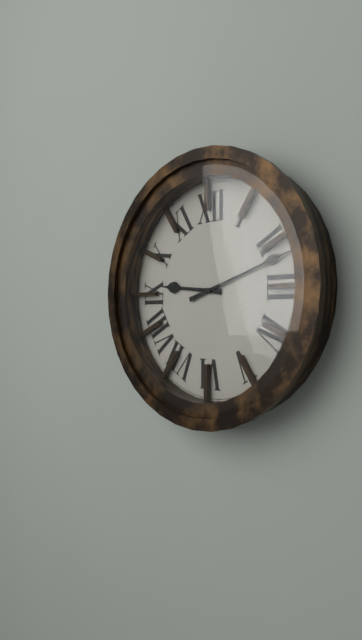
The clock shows 9.12
